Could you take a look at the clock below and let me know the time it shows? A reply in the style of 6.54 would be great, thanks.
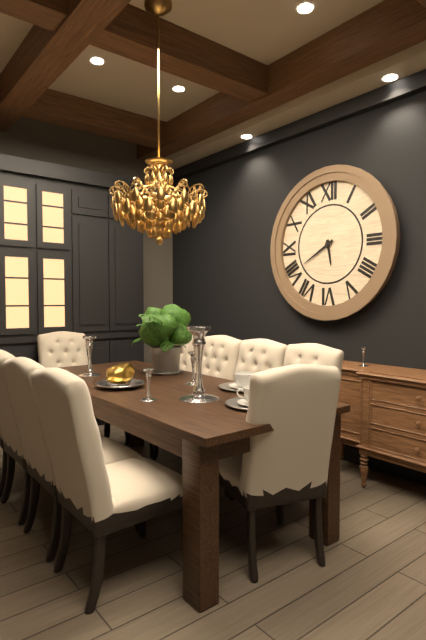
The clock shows 5.40
